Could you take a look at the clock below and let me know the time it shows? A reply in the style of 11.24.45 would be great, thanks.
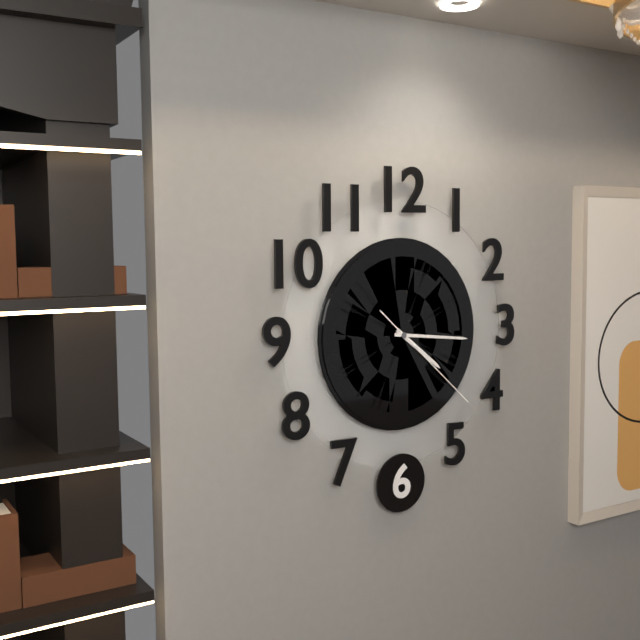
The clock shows 4.16.22
